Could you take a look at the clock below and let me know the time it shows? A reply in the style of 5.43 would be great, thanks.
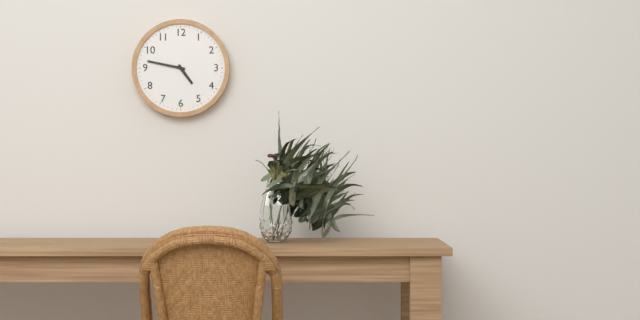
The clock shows 4.47
